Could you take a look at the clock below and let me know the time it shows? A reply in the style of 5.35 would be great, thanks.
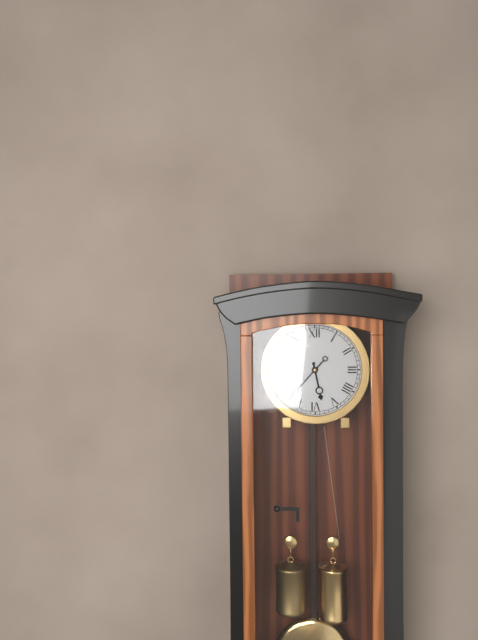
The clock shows 5.37
